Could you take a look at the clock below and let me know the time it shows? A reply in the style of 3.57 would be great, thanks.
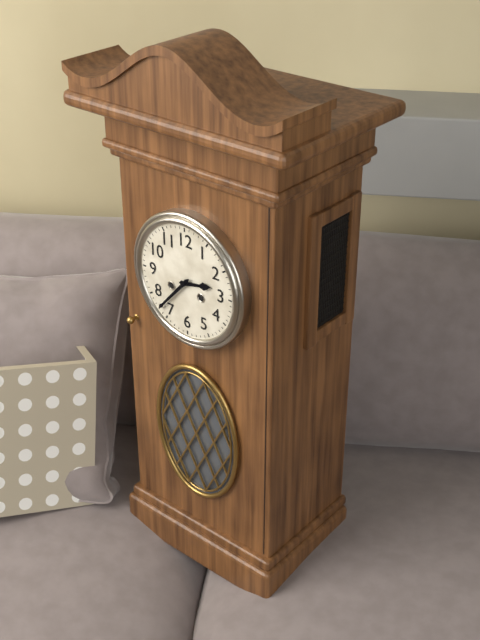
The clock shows 2.37
